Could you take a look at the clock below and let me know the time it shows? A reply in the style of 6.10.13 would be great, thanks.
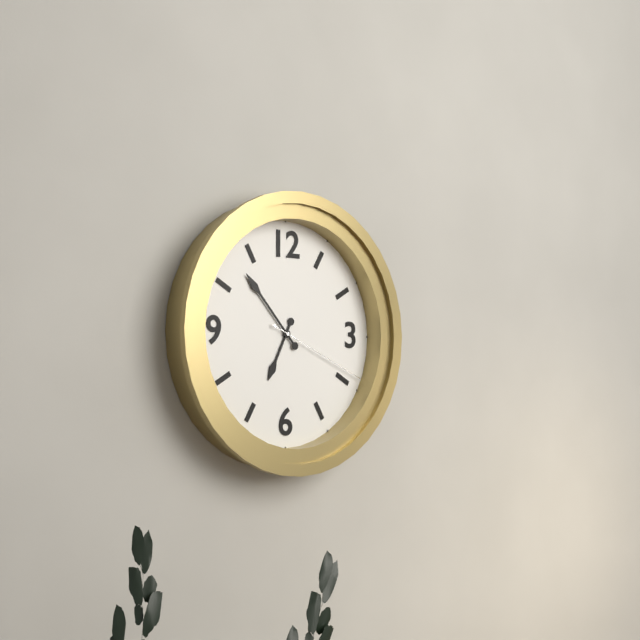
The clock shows 6.53.19
